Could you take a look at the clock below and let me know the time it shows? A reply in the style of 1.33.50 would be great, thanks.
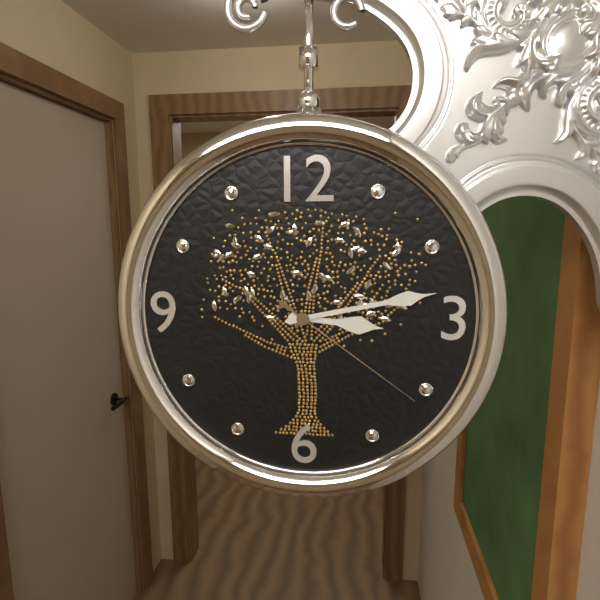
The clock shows 3.13.21
